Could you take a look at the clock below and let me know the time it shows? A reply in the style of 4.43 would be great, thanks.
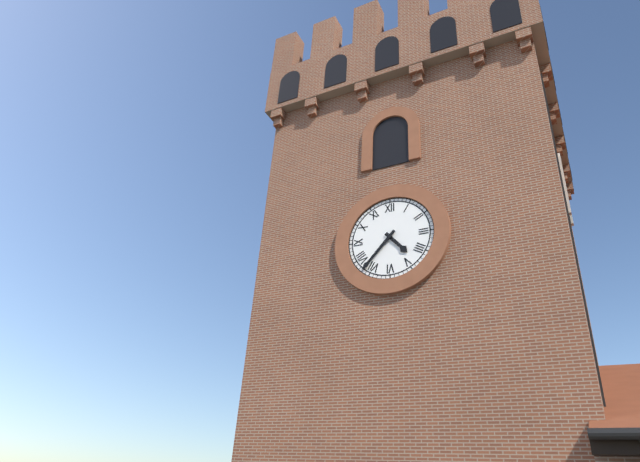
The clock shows 4.37
